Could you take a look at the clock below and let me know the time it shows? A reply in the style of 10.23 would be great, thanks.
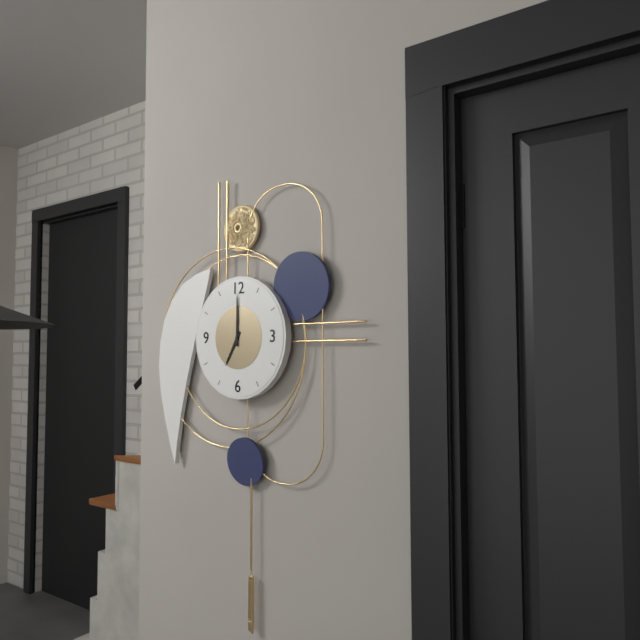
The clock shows 7.00
